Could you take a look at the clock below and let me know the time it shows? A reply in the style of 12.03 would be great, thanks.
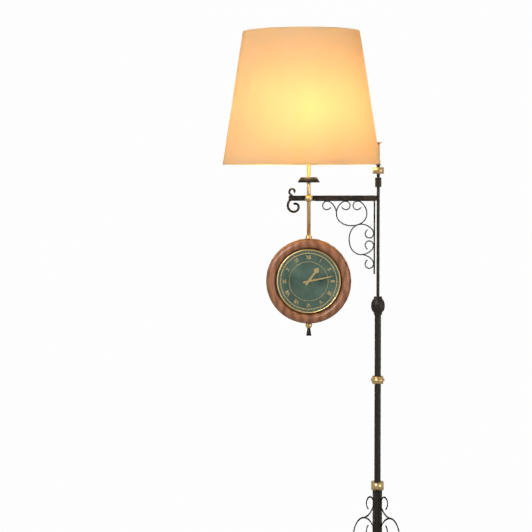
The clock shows 1.13
